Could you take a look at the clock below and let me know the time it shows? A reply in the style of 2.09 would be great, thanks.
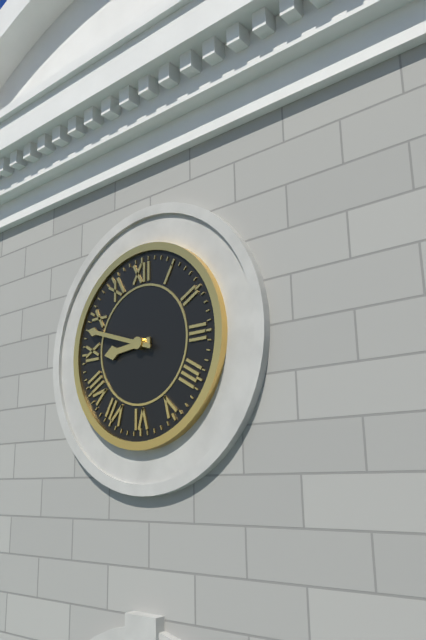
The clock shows 8.48
